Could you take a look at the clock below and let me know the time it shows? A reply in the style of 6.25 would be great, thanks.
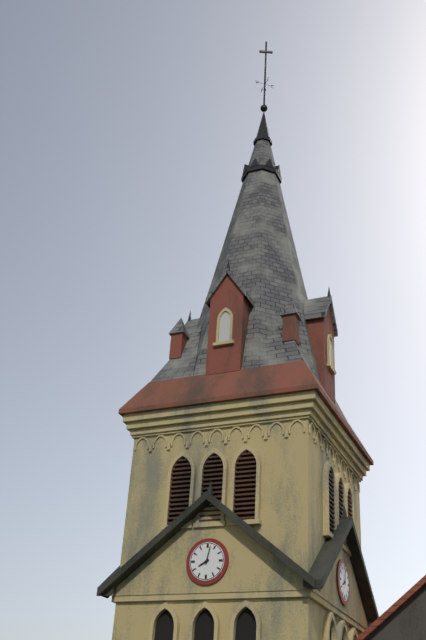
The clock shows 8.02
